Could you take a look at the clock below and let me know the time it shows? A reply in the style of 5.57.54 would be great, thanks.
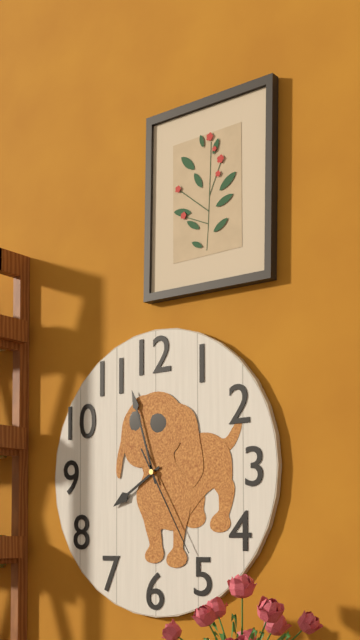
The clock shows 7.57.25
